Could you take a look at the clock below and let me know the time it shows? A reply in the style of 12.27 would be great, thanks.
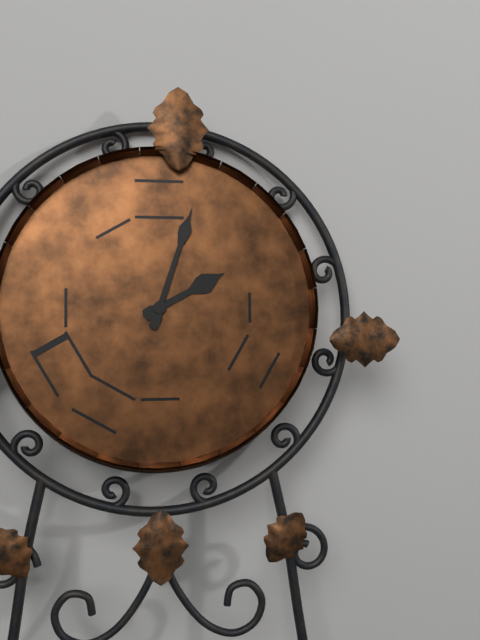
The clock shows 2.03
